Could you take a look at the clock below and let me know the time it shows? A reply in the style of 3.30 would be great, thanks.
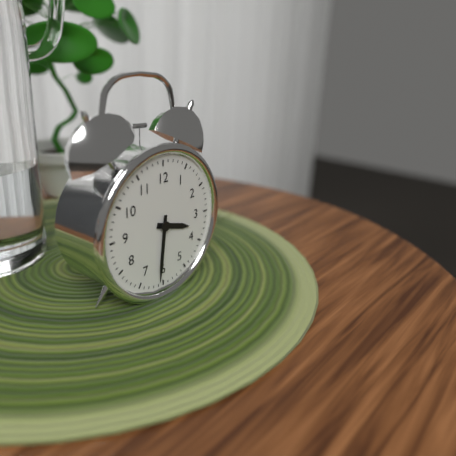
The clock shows 3.31
